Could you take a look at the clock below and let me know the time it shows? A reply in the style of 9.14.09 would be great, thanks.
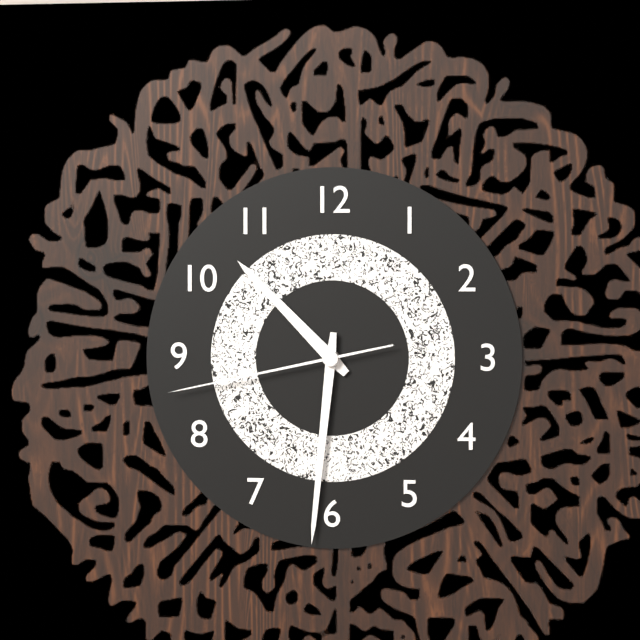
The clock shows 10.31.43
